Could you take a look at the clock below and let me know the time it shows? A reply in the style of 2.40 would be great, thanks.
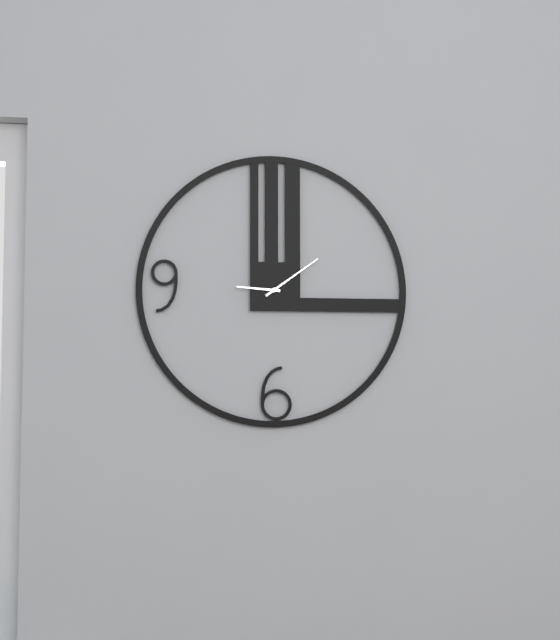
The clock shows 9.09
